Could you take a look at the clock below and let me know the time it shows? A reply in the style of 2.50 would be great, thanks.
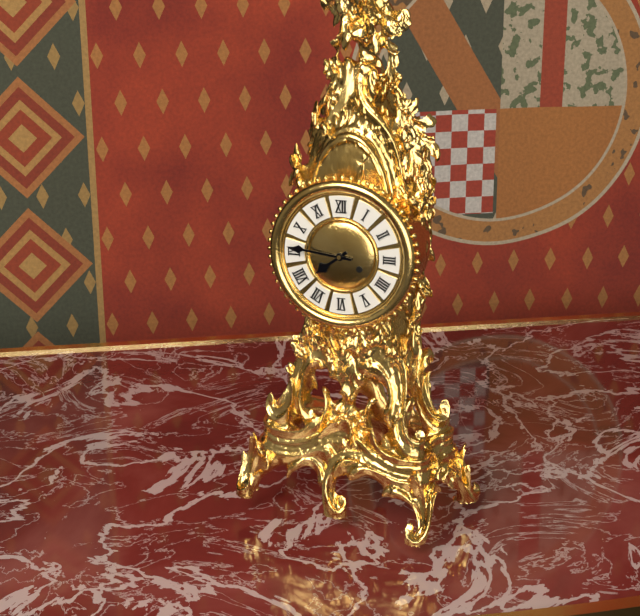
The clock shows 7.46
